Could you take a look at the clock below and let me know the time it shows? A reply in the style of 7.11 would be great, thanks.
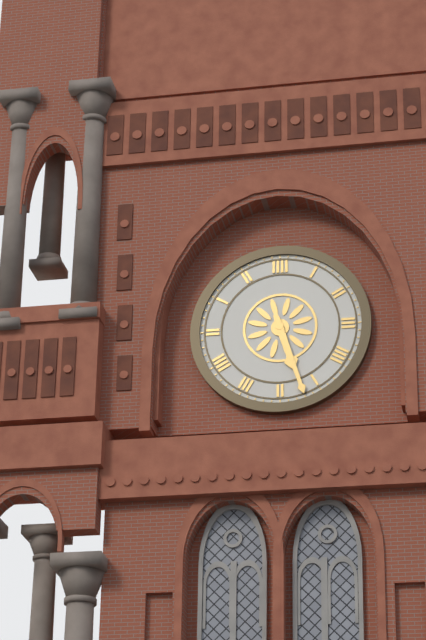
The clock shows 5.27
